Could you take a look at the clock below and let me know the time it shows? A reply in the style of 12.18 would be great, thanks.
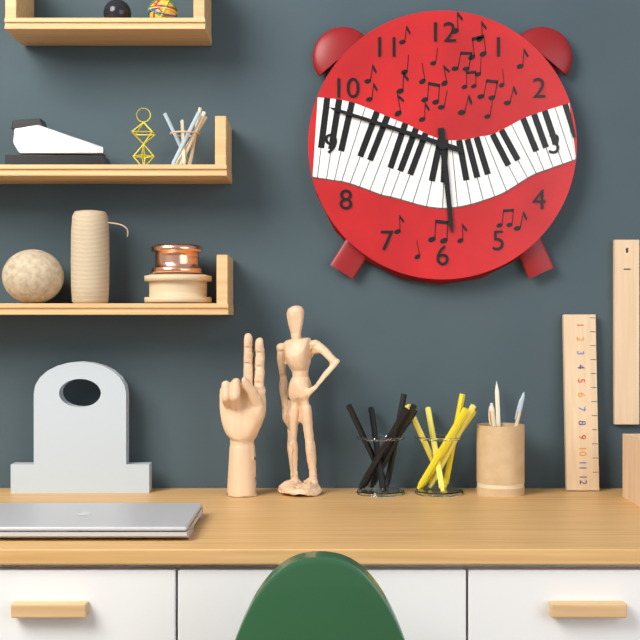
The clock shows 5.48
